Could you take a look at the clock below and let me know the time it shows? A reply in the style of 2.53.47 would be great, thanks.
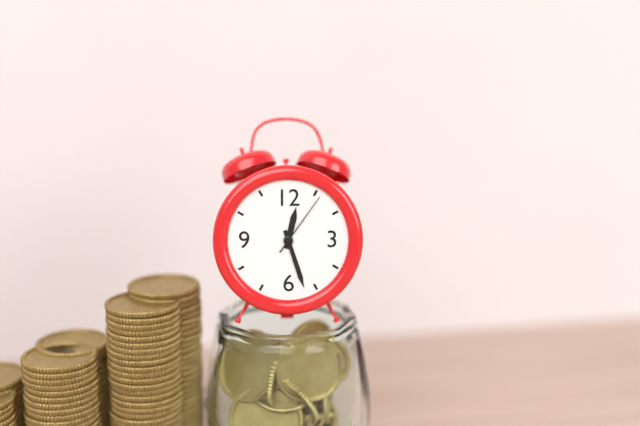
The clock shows 12.27.06
